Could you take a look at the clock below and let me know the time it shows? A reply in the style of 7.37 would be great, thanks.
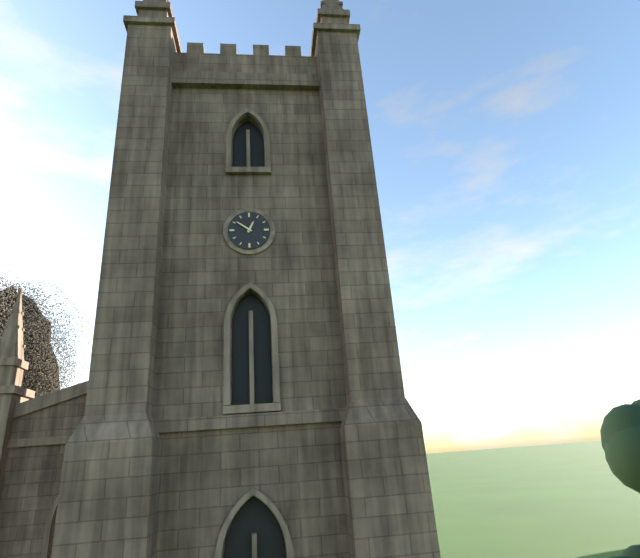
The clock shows 12.51
